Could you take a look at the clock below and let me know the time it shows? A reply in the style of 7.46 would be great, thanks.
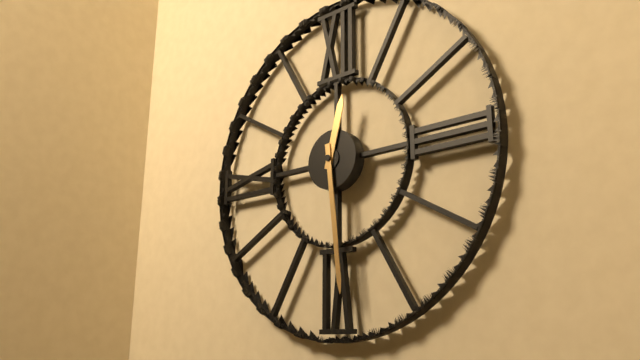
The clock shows 12.29
